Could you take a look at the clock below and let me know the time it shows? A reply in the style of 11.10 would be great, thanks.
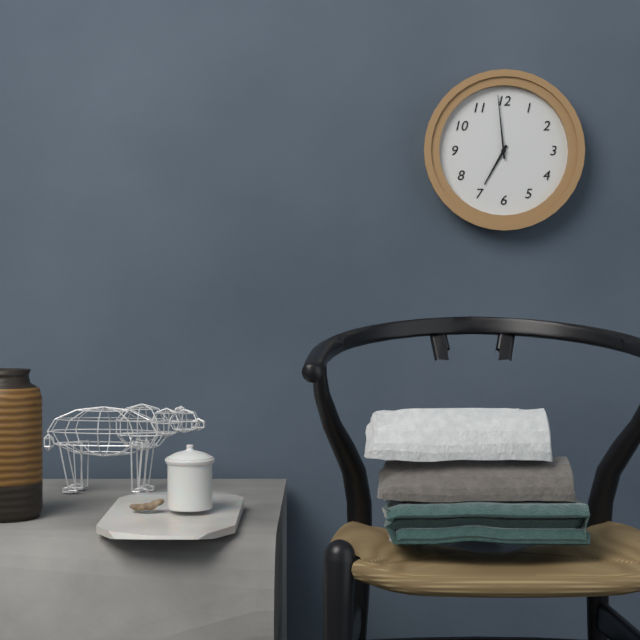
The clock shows 6.59
